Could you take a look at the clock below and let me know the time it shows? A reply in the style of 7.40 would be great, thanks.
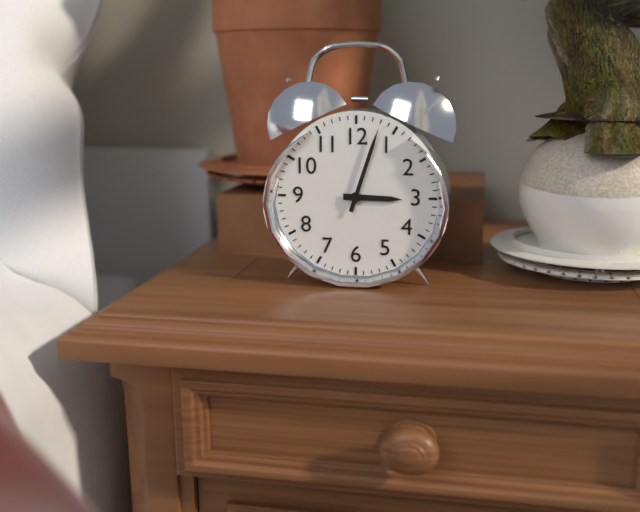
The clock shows 3.03
